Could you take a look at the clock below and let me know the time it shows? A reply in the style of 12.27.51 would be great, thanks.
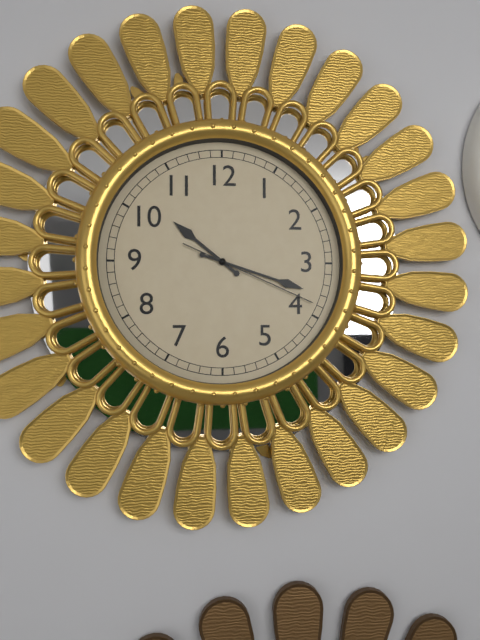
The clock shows 10.18.19
